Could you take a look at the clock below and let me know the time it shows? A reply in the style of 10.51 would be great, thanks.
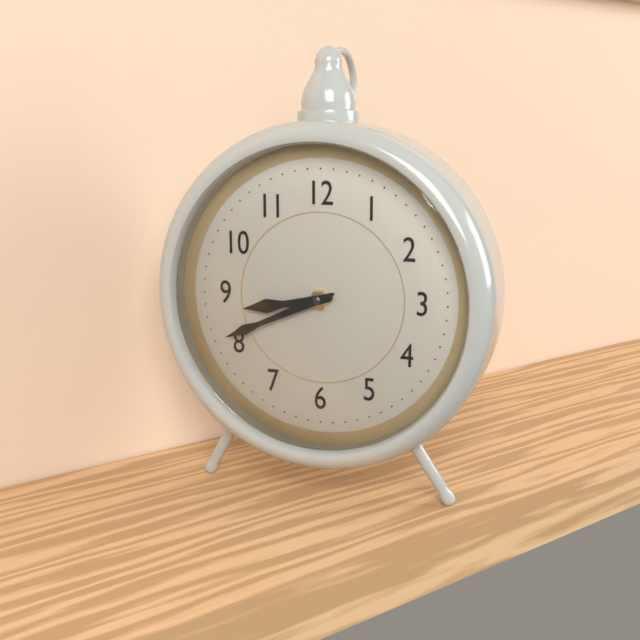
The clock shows 8.41
